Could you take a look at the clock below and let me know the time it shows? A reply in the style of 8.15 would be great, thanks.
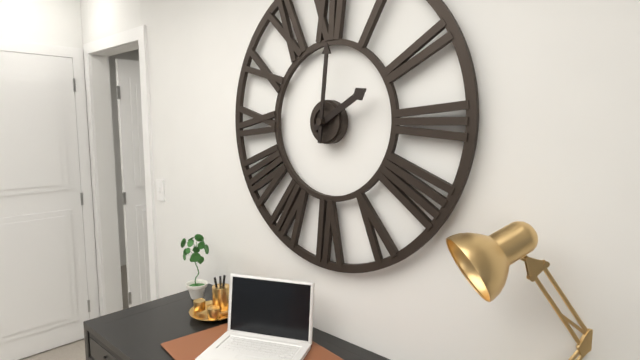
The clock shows 2.01
